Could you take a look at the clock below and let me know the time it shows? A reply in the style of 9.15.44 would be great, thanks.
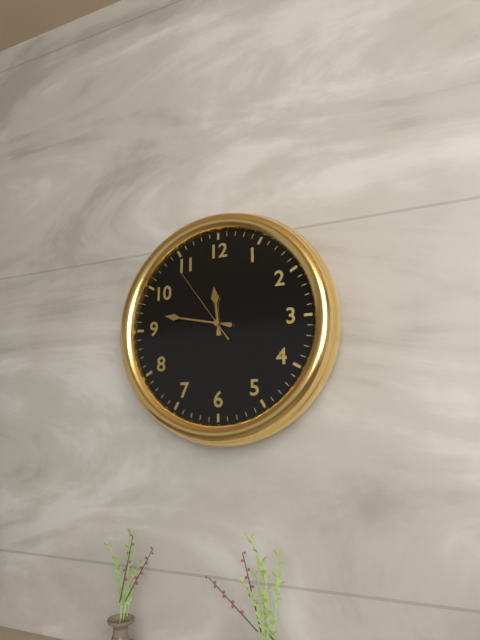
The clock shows 11.47.54
